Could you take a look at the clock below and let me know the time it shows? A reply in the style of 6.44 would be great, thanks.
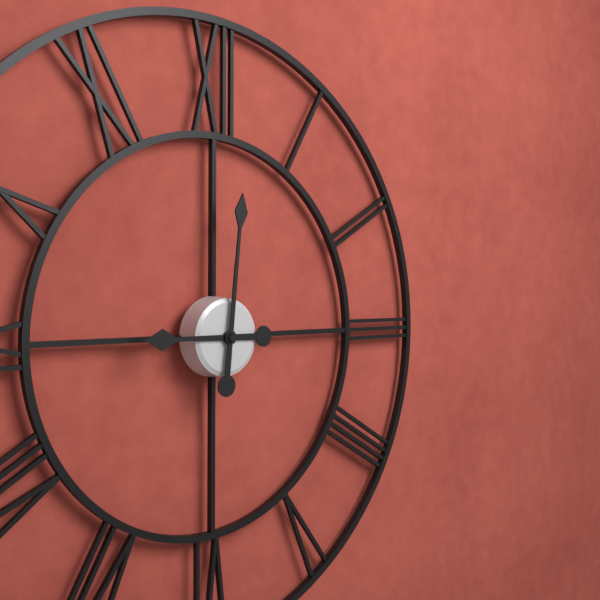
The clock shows 9.01
